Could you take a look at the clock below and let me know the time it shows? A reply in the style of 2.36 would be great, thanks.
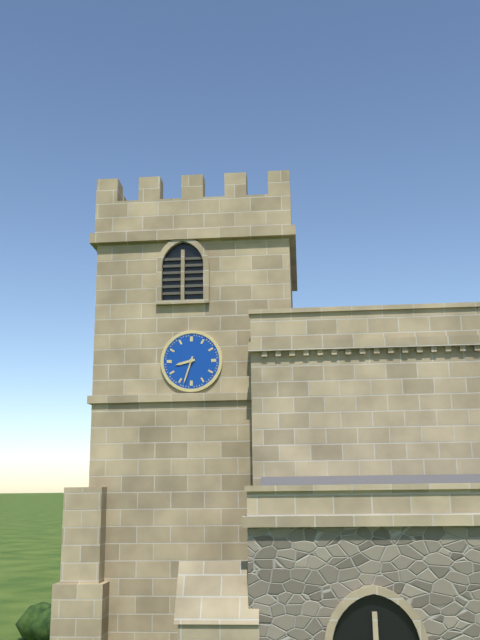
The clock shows 8.33
